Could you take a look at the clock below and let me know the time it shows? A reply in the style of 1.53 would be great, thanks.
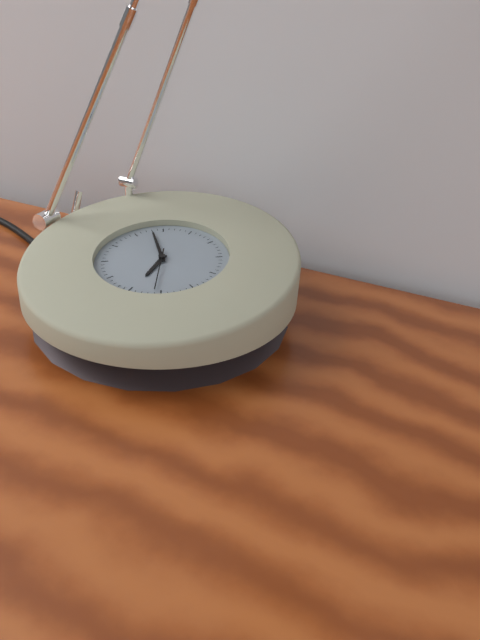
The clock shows 5.53
